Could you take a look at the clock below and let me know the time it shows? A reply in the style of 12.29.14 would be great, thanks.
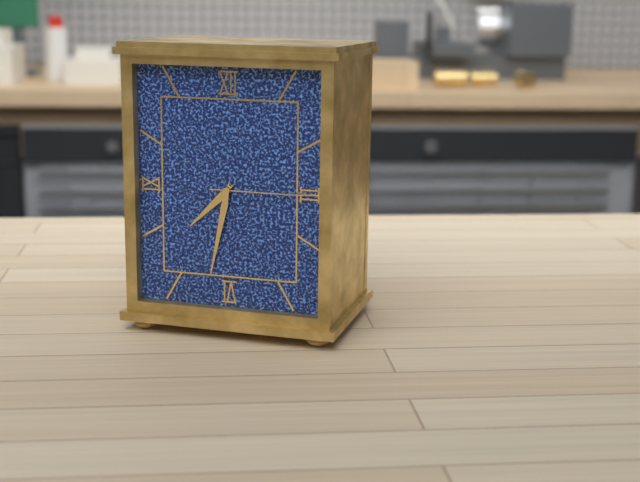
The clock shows 7.32.15
